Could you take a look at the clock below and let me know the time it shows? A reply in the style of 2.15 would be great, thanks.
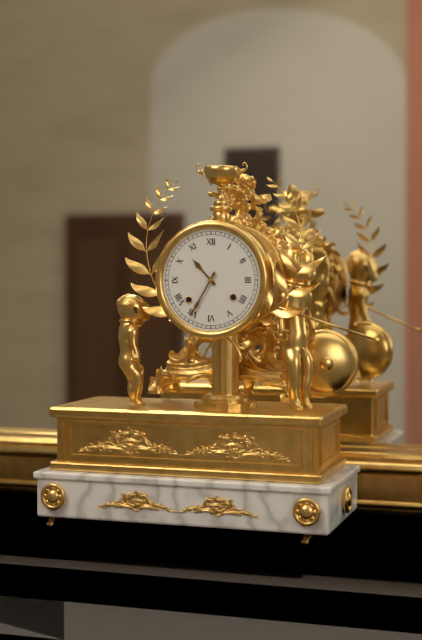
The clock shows 10.35
